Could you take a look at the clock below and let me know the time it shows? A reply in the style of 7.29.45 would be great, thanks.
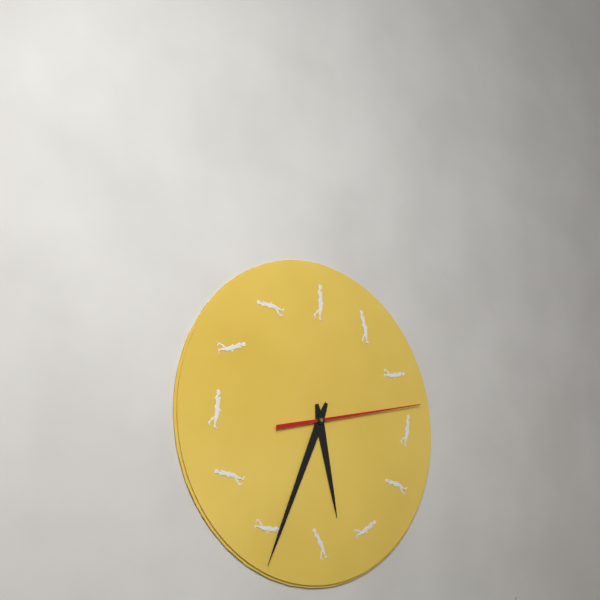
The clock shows 5.34.13
